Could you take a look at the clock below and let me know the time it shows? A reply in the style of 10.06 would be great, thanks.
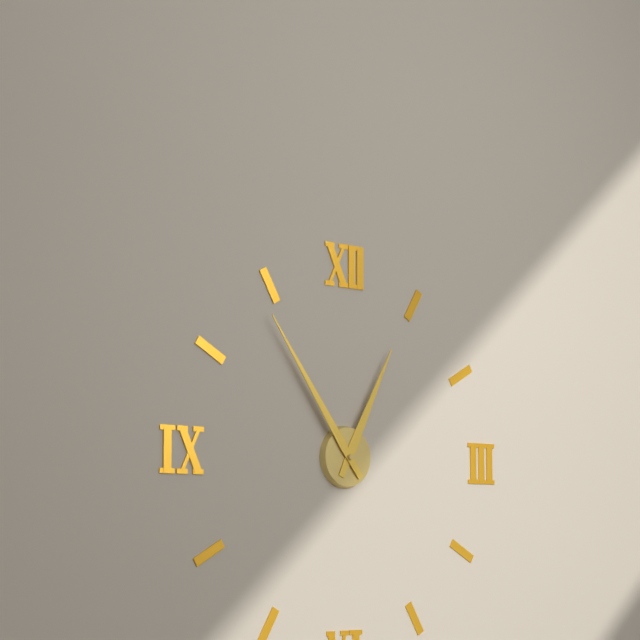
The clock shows 12.54
